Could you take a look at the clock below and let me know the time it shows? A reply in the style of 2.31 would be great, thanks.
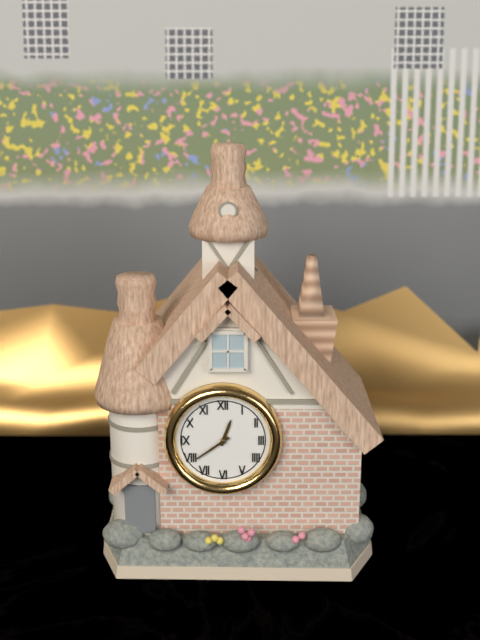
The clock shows 12.39
